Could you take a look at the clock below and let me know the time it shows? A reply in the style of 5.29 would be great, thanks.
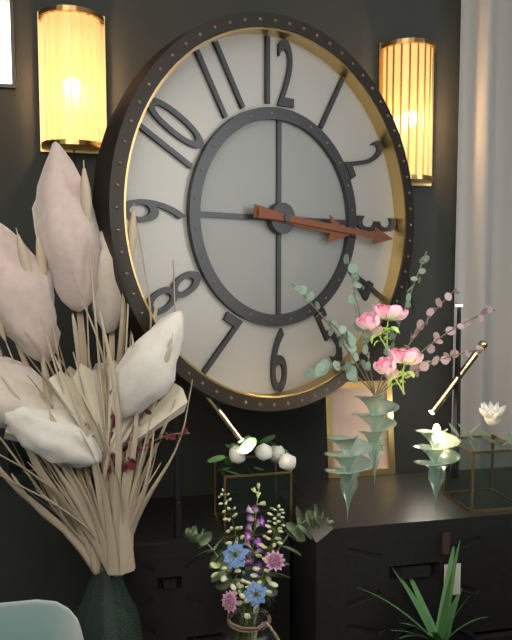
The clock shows 3.16
